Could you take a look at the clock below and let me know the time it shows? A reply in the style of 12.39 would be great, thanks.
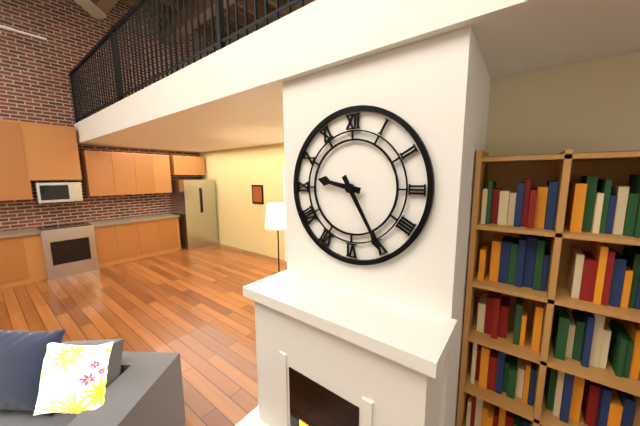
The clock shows 9.25
